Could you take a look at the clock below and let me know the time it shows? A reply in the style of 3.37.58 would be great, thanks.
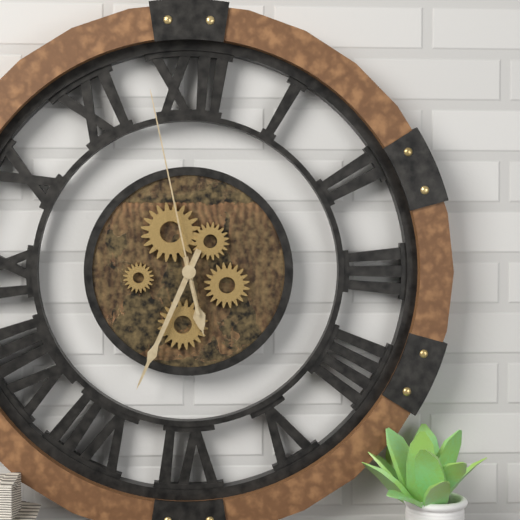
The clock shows 5.34.58
